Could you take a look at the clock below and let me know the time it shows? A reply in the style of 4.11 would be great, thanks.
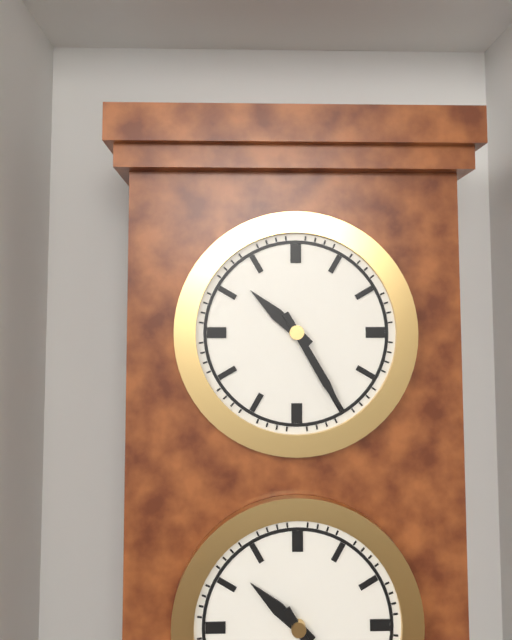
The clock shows 10.25
